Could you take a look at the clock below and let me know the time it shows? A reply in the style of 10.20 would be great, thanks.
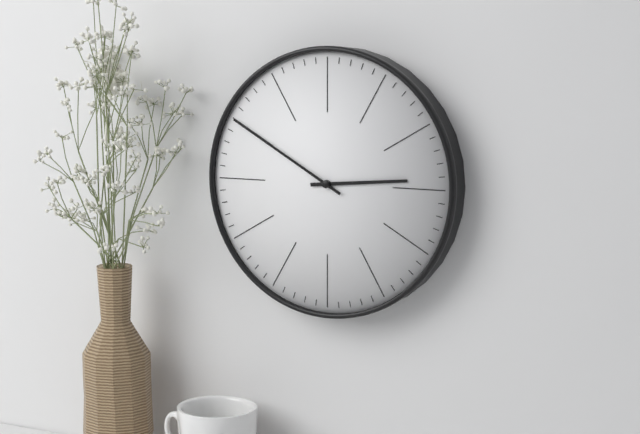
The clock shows 2.50
